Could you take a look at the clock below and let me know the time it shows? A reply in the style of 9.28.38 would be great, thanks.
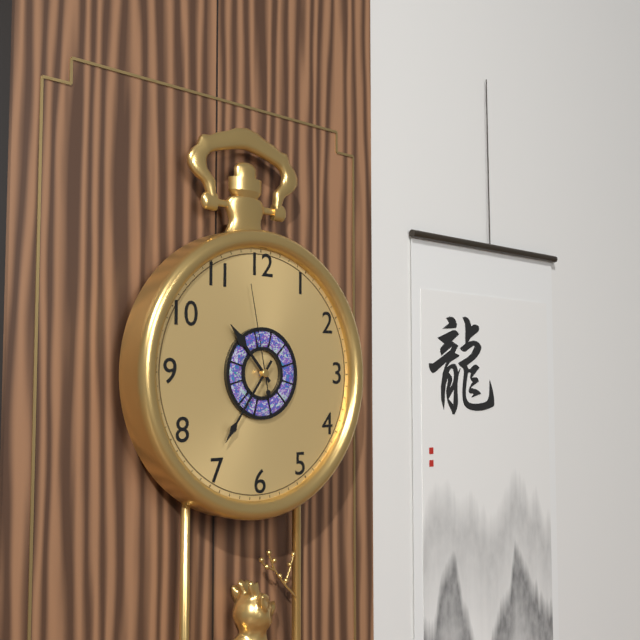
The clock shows 10.36.58
